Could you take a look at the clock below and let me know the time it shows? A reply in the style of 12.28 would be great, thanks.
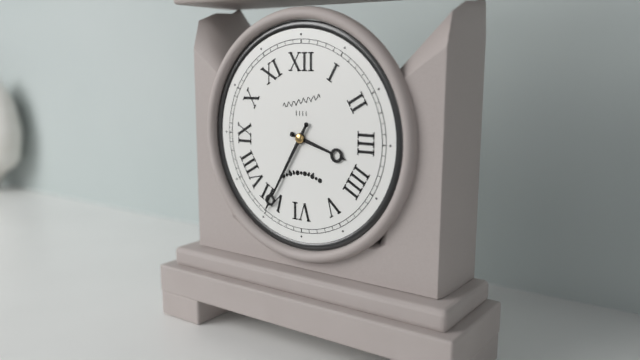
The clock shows 3.35
